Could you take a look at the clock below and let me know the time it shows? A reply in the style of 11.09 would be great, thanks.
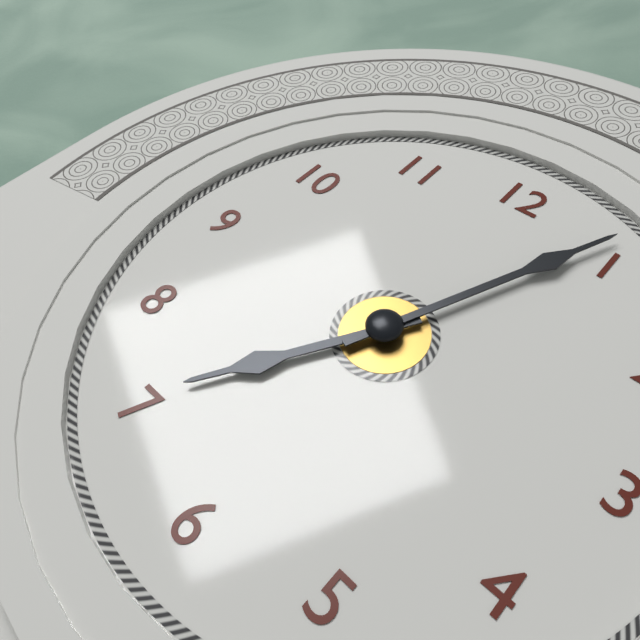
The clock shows 7.04
